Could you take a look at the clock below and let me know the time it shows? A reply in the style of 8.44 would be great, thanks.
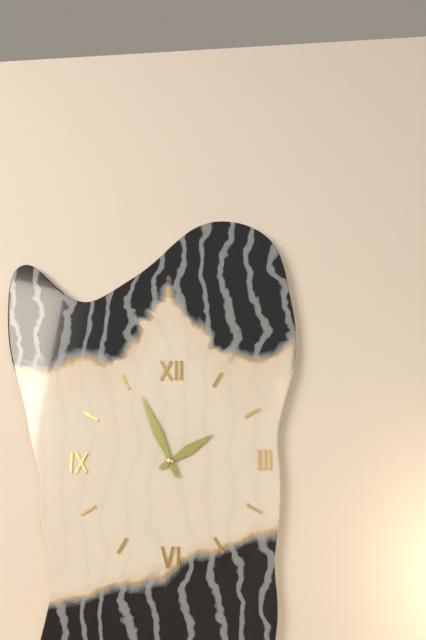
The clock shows 1.56
